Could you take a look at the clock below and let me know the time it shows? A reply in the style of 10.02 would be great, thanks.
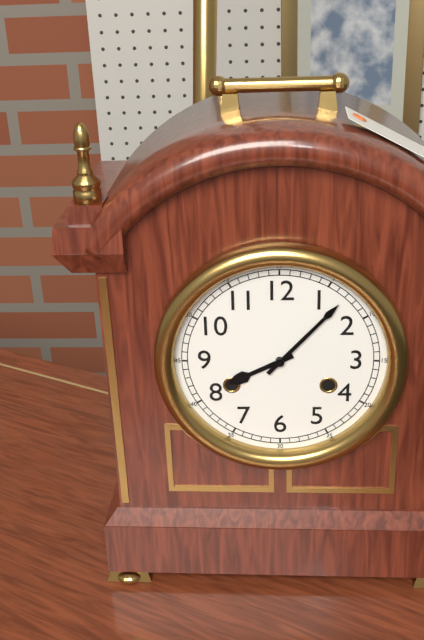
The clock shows 8.07
